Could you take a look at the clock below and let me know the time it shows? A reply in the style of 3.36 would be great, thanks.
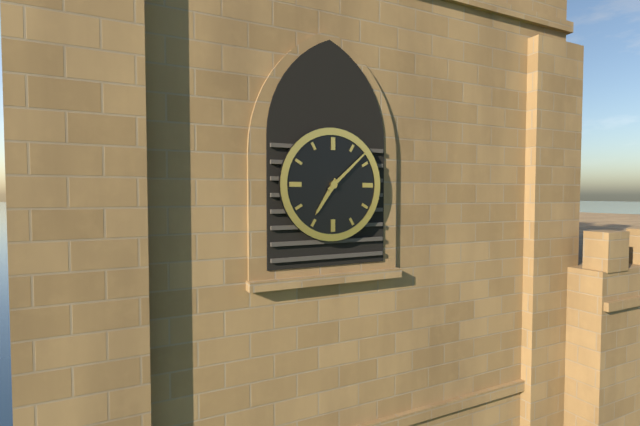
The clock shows 7.08
